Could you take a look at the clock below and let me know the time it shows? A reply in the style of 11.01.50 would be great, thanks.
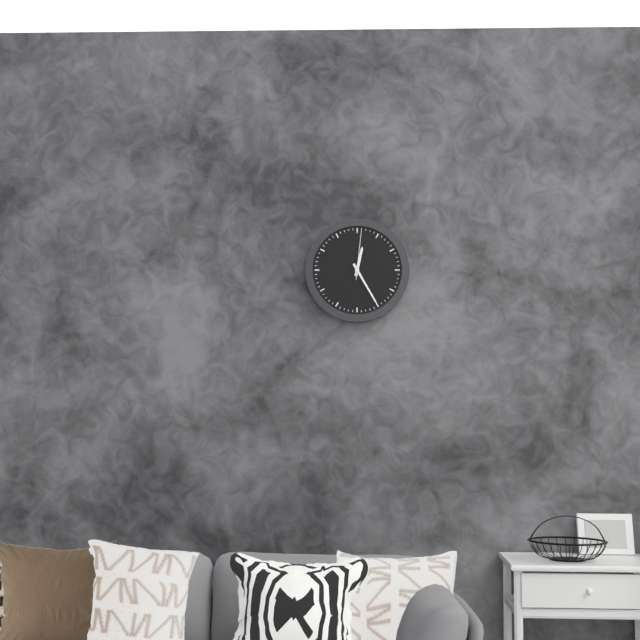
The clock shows 12.25.01
